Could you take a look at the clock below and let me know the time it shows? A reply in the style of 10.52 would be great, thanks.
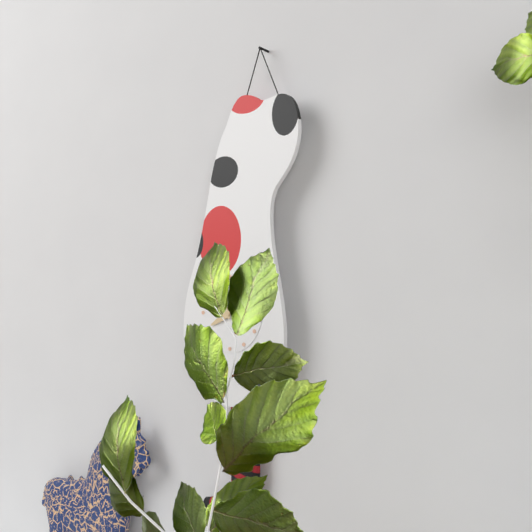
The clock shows 8.03
